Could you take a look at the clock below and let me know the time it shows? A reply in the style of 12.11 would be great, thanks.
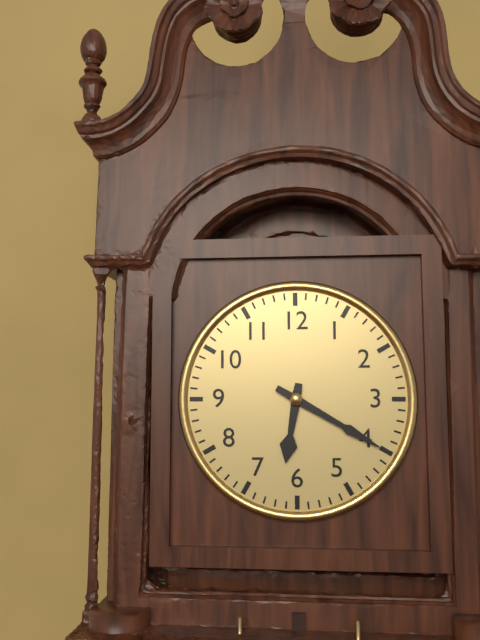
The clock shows 6.20
